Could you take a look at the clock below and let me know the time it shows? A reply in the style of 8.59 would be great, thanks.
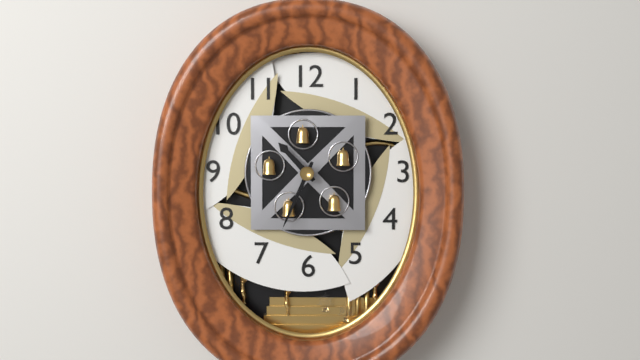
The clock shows 10.34
